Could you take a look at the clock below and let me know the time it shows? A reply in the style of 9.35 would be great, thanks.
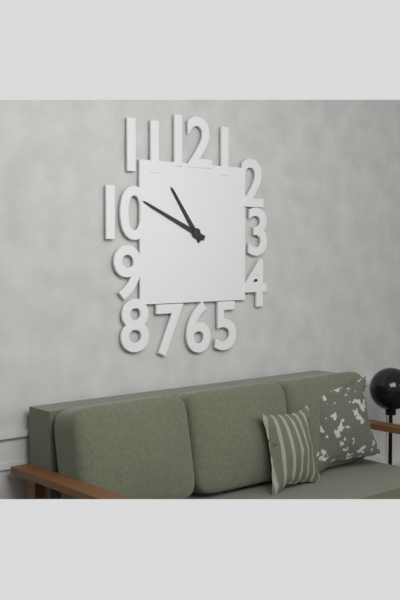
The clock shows 10.49
